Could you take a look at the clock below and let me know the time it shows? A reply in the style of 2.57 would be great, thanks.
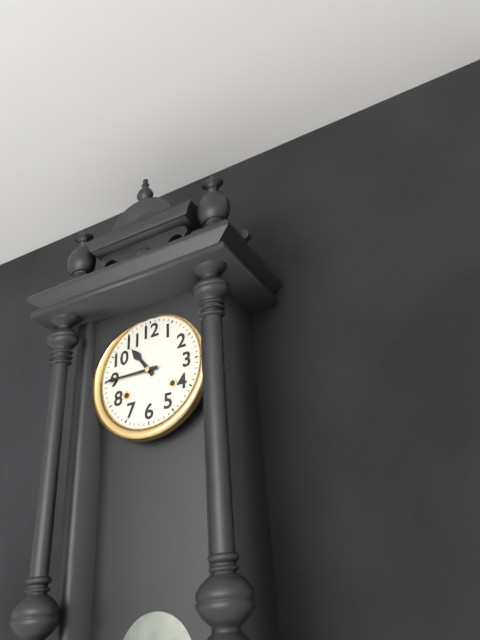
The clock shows 10.45
